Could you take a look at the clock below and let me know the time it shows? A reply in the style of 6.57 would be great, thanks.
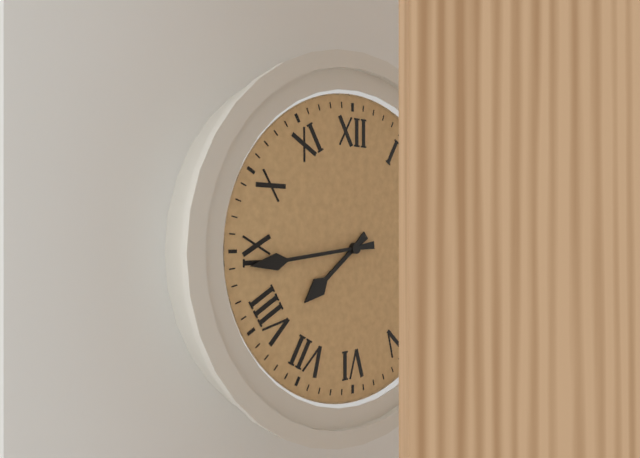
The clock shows 7.44
